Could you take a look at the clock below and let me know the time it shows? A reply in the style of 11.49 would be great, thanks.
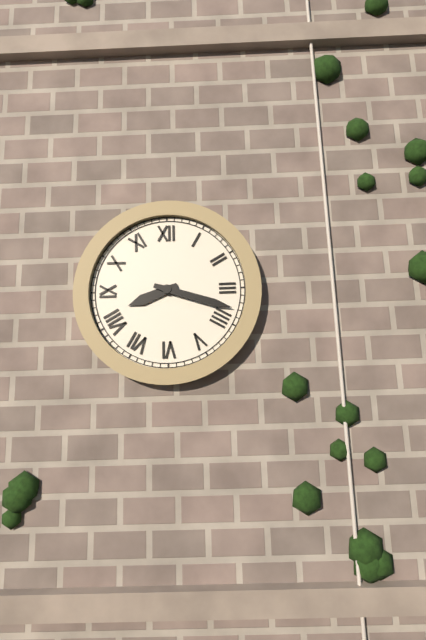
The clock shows 8.18
